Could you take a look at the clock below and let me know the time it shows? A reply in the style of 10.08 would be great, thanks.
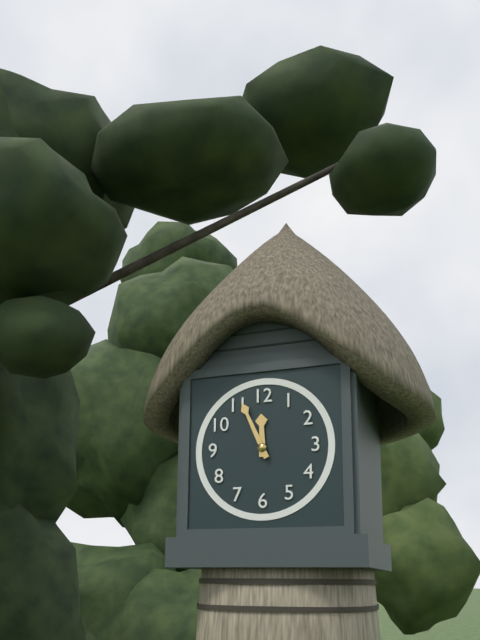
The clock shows 11.56
